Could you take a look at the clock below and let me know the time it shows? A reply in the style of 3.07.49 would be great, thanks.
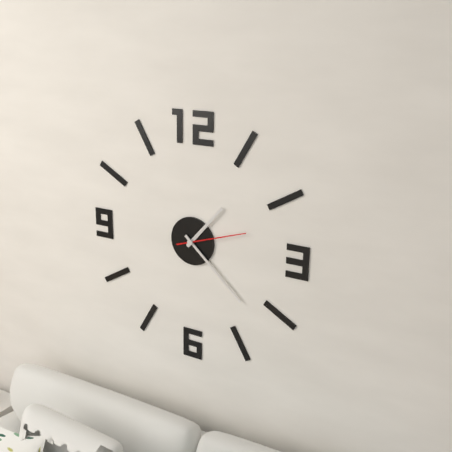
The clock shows 1.22.12
